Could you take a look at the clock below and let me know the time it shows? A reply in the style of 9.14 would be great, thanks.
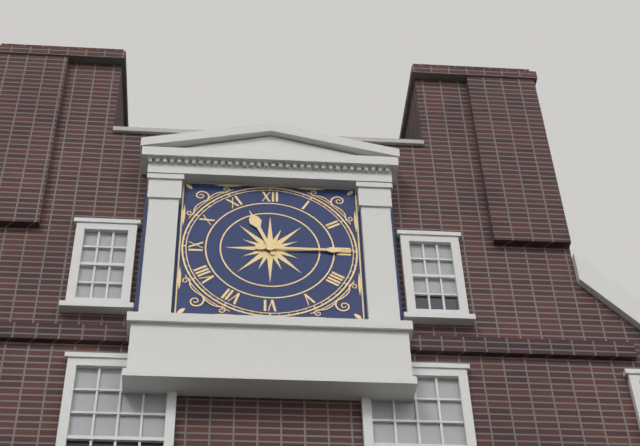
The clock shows 11.15
